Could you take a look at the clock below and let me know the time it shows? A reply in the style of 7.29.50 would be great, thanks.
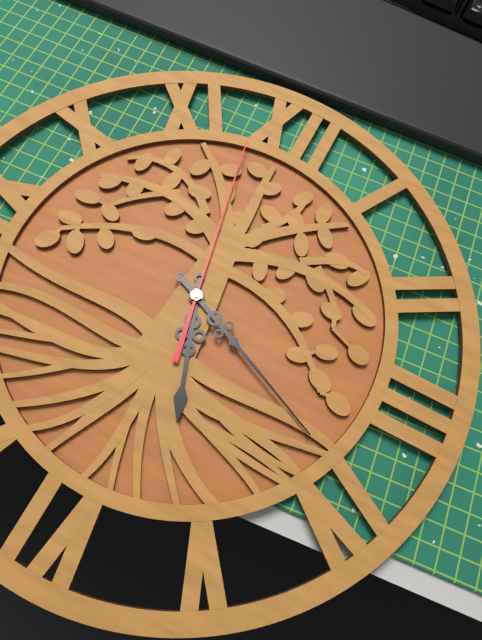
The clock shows 5.19.58
